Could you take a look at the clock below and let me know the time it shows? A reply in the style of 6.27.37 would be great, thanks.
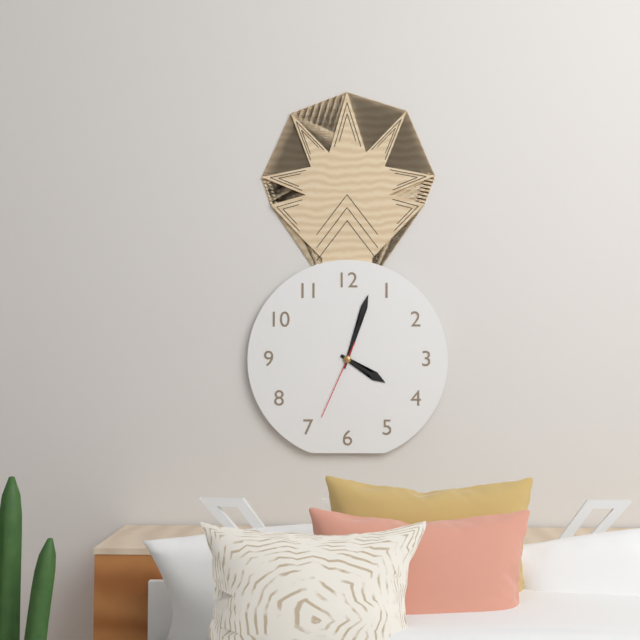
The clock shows 4.03.34
